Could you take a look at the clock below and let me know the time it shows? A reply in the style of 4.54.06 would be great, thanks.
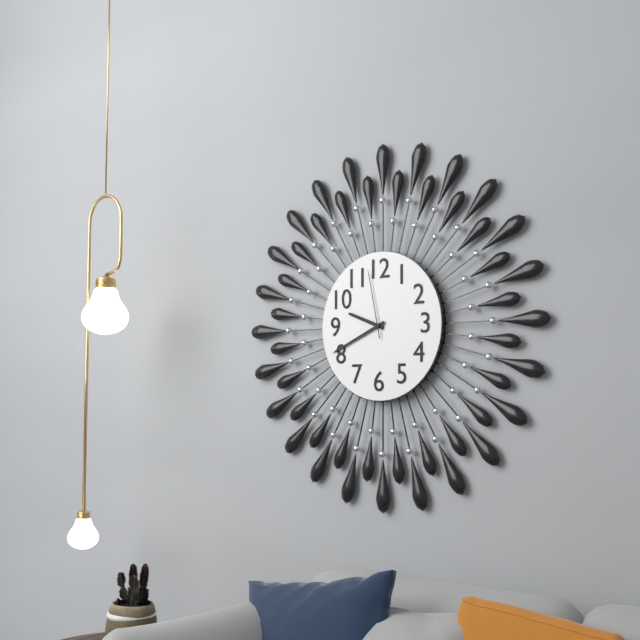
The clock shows 9.41.58
